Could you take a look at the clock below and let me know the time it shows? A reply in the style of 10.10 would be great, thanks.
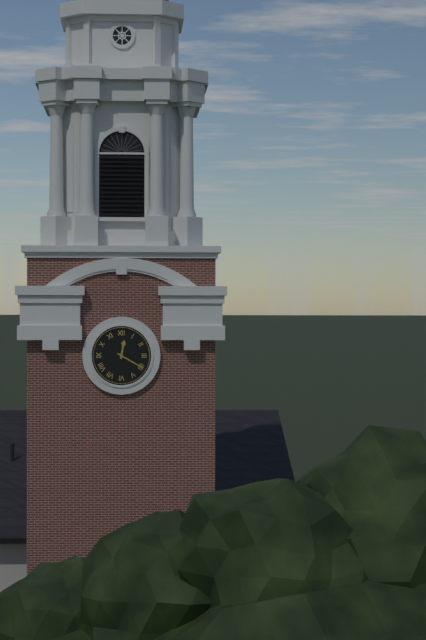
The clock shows 12.20
